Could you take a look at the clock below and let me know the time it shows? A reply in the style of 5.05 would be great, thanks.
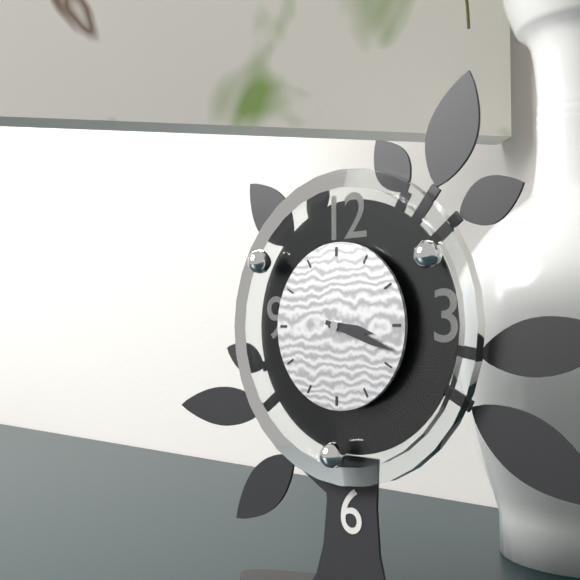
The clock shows 3.18
